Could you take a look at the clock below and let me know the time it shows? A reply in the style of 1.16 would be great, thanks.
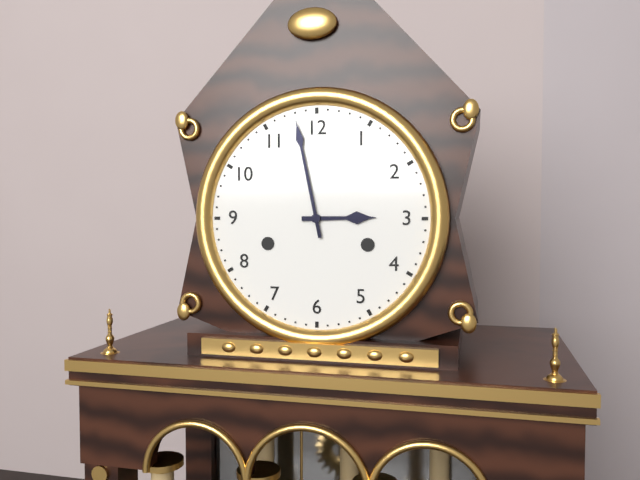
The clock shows 2.58
